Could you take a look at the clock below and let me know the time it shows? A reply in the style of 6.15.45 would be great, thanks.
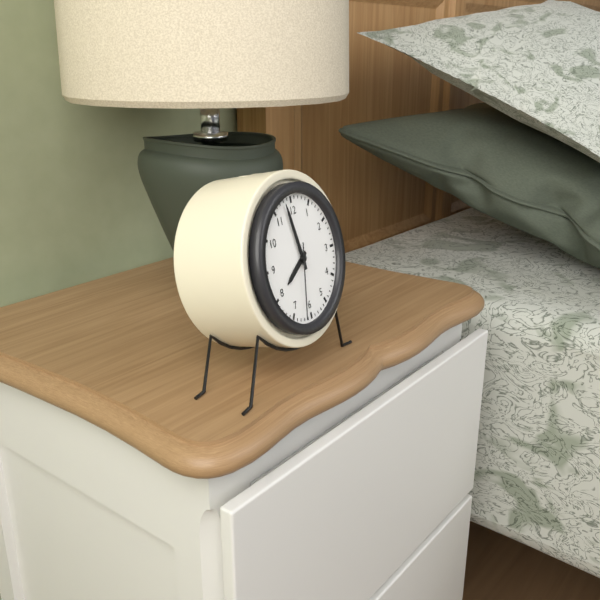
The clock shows 7.58.32
